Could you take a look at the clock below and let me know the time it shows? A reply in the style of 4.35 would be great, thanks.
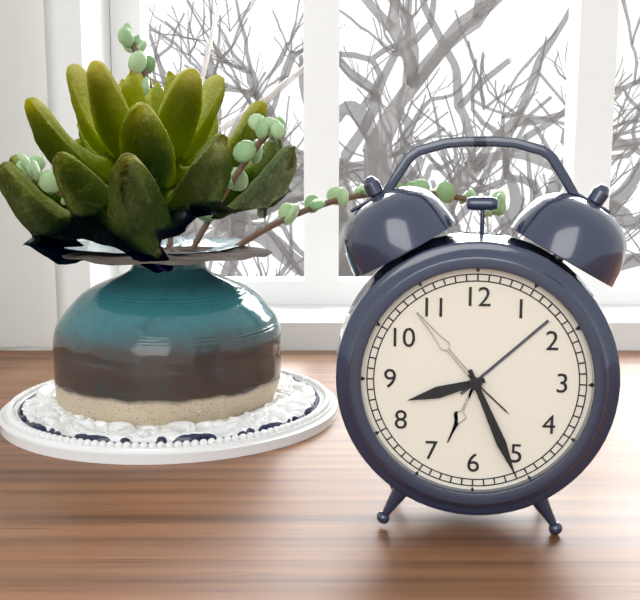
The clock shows 8.26
